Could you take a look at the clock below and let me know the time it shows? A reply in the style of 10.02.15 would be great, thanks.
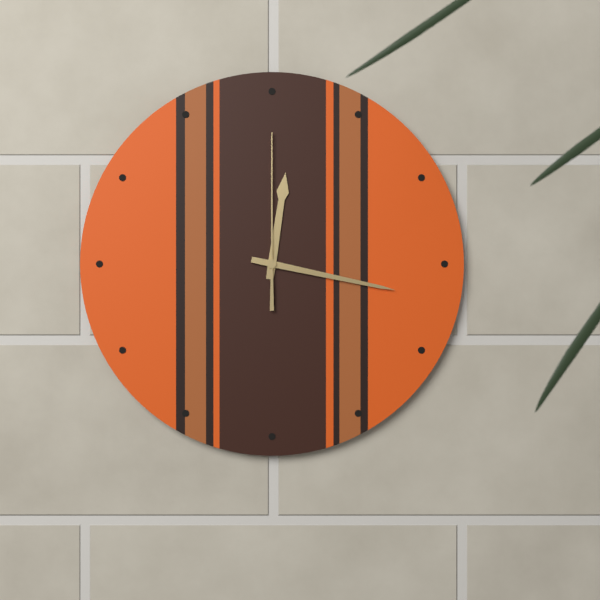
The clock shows 12.17.00
